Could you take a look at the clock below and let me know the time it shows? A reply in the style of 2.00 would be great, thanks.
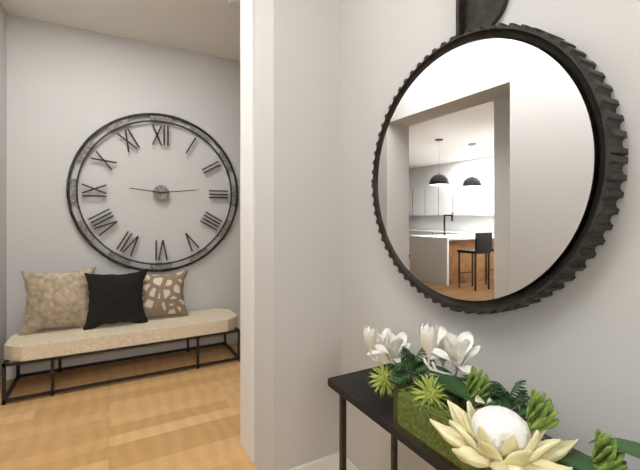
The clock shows 9.14
